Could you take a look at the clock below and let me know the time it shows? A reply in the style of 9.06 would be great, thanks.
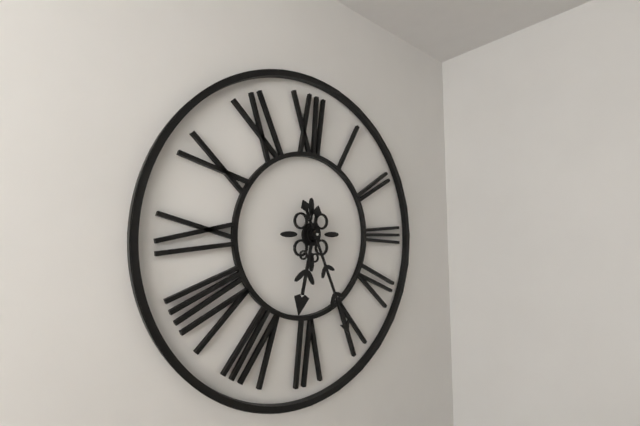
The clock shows 6.26
